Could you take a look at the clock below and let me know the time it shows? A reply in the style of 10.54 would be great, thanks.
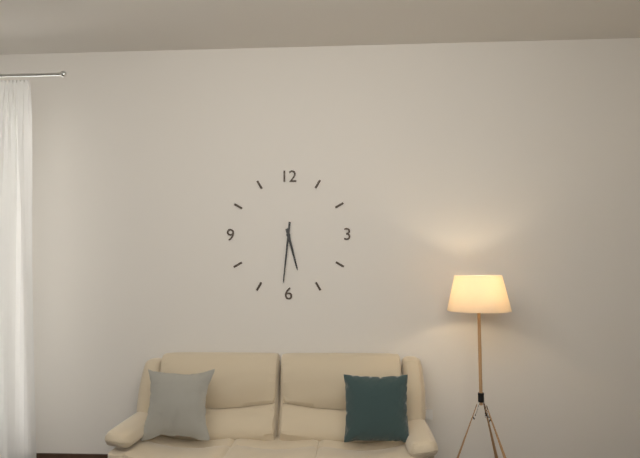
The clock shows 5.31
